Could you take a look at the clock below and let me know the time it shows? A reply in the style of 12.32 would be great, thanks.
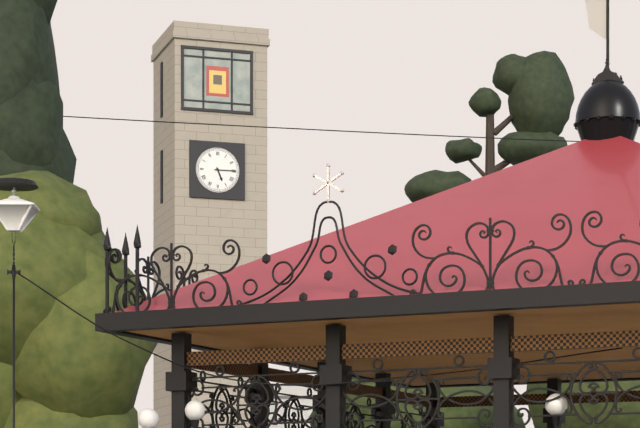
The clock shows 5.15
